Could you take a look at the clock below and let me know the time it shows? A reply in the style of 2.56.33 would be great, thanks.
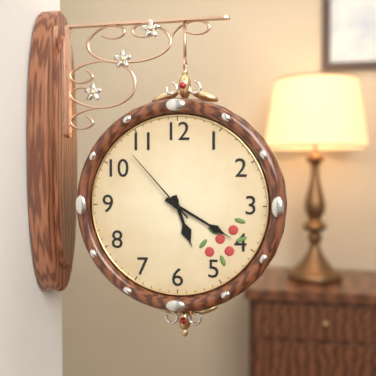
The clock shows 5.20.53
